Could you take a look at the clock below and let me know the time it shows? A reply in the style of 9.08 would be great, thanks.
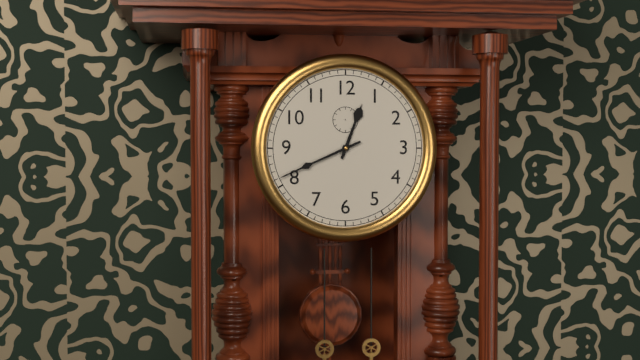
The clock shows 12.41
